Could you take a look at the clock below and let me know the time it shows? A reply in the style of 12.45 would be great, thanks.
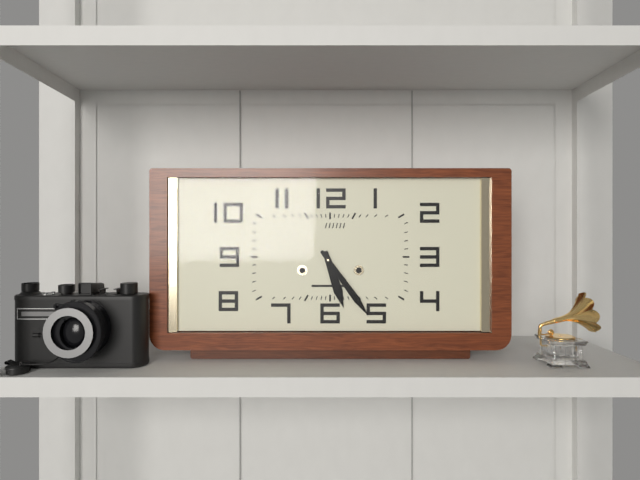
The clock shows 5.24
